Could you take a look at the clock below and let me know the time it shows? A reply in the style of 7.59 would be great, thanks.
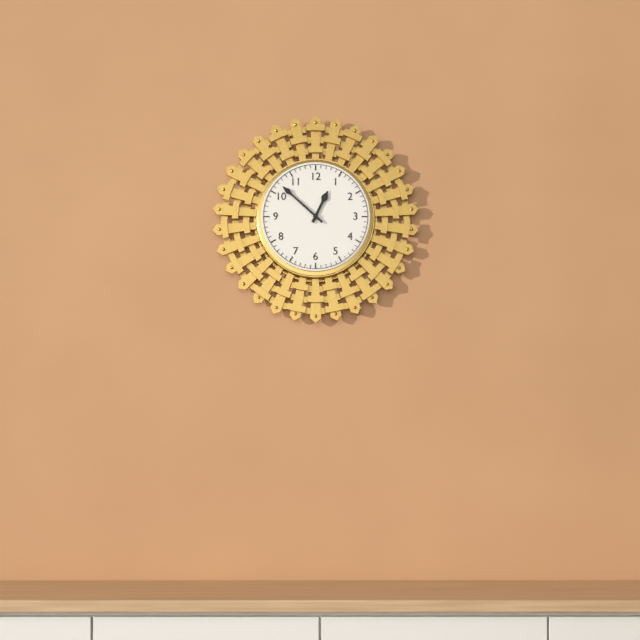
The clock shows 12.52
